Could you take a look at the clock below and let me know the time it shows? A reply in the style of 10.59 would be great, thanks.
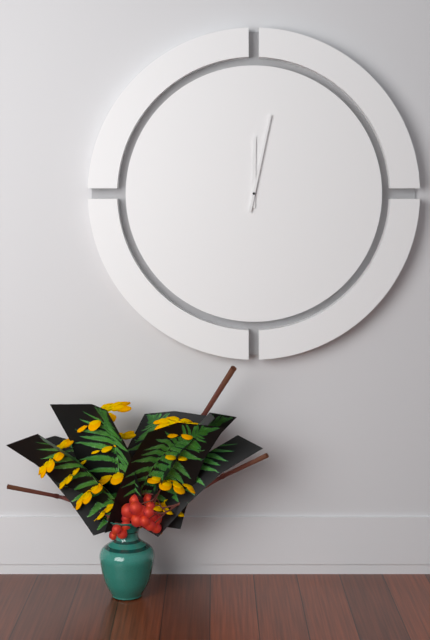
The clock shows 12.02
